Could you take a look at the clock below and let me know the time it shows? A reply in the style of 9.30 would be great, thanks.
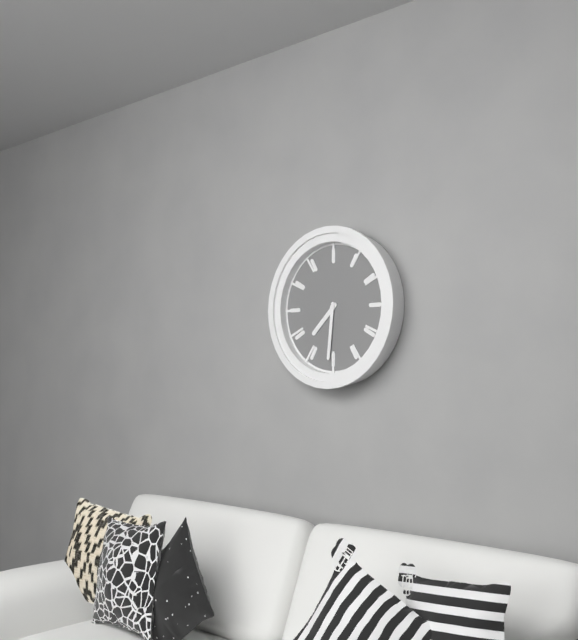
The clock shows 7.31
